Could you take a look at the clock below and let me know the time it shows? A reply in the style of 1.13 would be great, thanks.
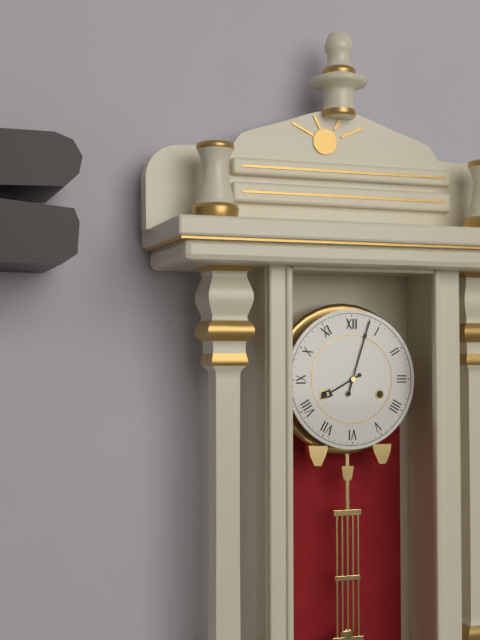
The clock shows 8.03
